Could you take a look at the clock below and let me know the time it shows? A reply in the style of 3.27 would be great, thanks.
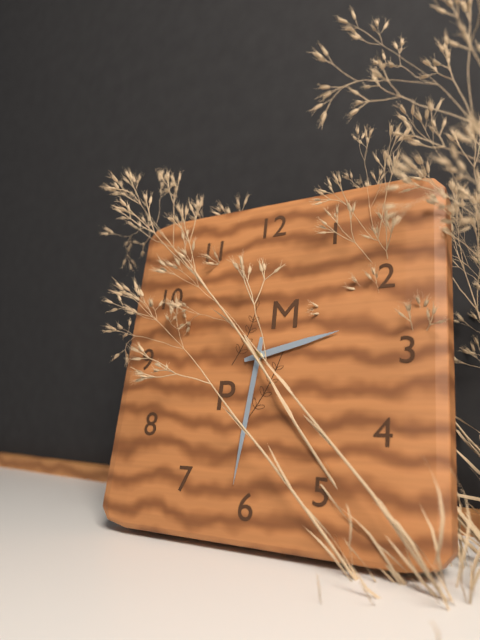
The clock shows 2.31
